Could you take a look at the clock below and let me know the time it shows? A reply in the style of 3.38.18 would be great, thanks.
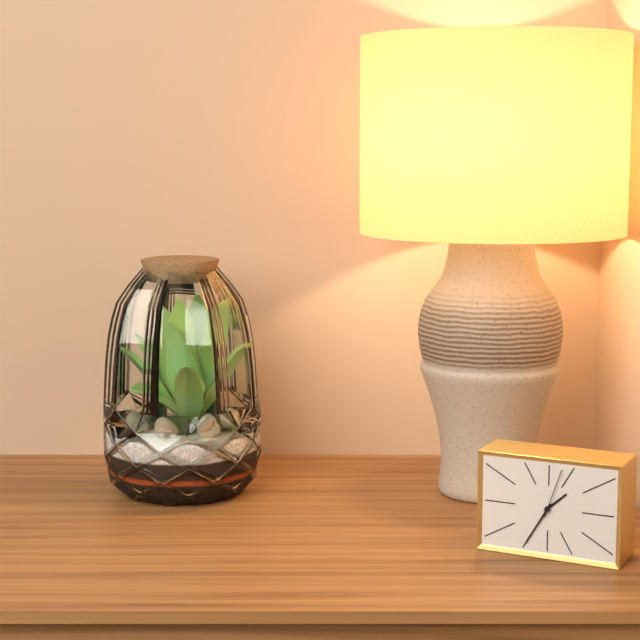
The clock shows 1.35.03
